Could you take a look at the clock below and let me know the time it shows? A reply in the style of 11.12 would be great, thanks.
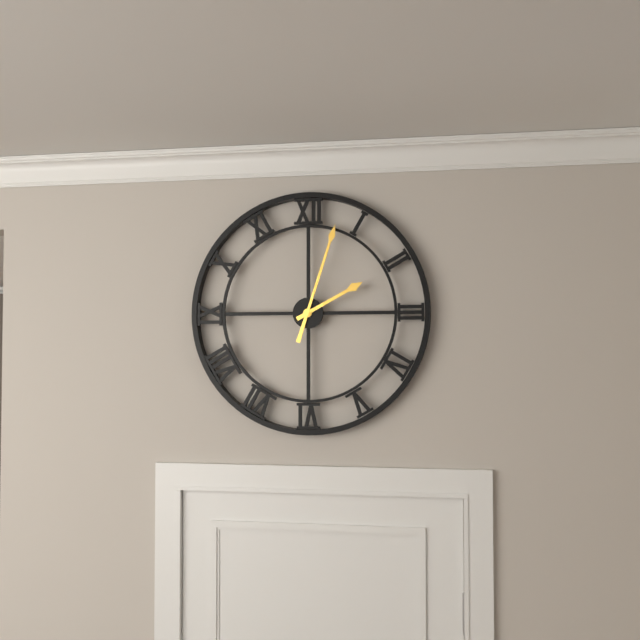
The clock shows 2.03
